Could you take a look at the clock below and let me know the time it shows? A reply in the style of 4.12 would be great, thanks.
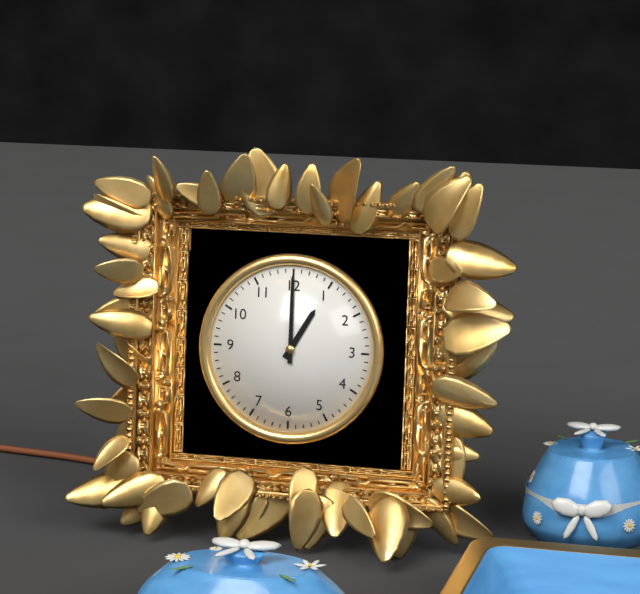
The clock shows 1.00
